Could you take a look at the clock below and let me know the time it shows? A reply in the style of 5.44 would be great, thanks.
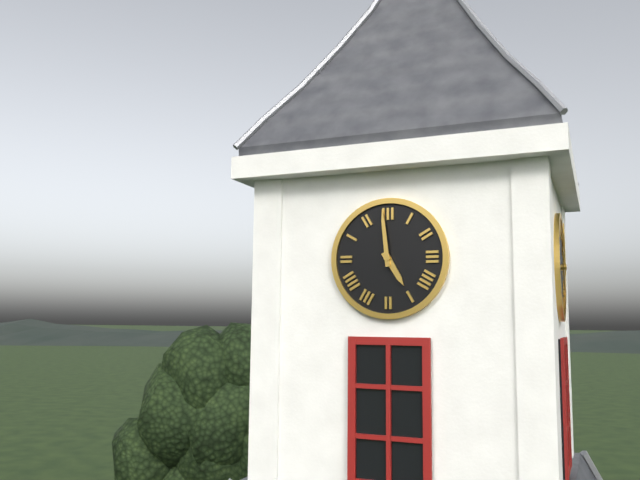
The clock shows 4.59
